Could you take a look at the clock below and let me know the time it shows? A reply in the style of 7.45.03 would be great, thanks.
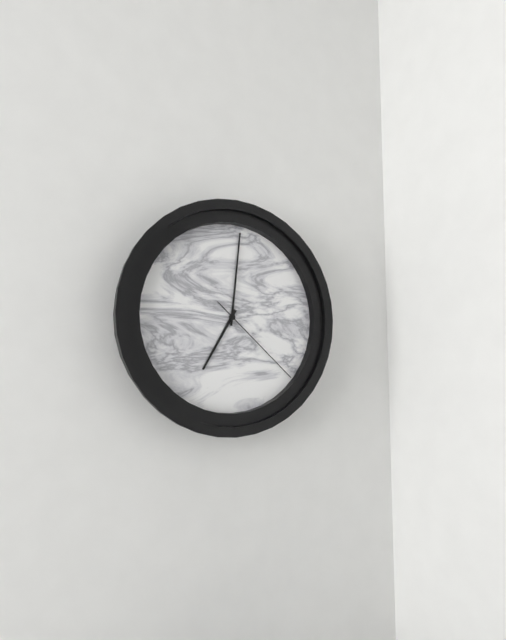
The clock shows 7.01.22
